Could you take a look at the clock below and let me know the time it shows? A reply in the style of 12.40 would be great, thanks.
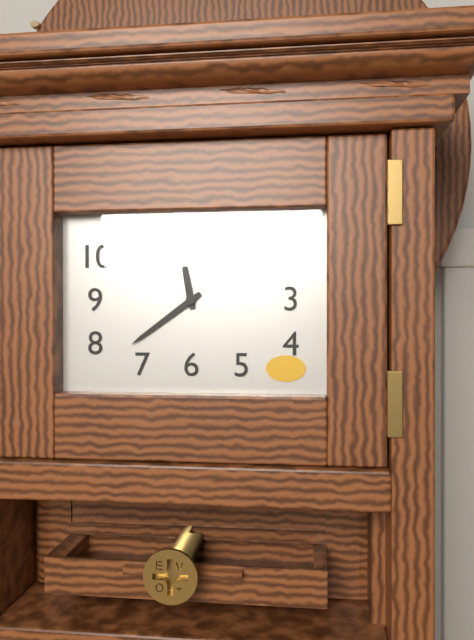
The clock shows 11.39
